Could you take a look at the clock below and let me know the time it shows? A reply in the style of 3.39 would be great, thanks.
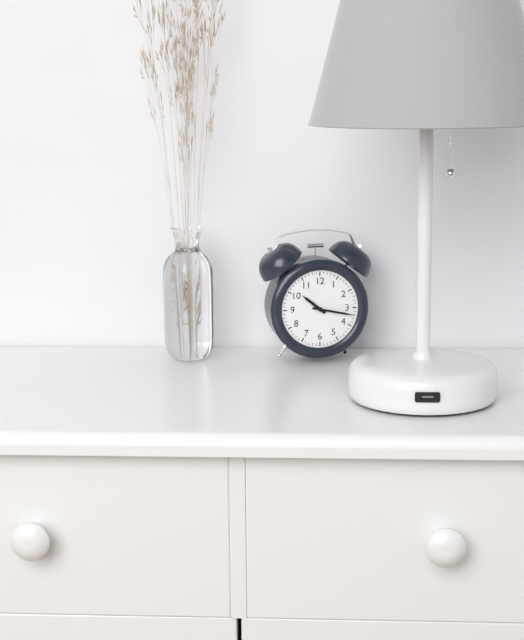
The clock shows 10.17
